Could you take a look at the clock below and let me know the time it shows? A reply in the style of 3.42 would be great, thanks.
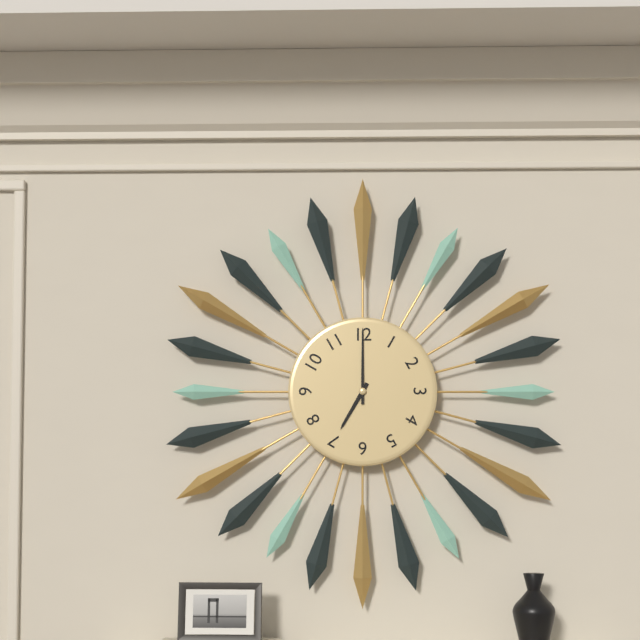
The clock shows 7.00
